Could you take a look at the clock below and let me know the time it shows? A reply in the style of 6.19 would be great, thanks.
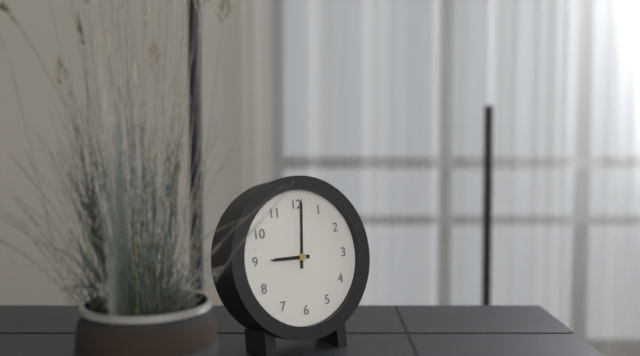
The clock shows 9.01
